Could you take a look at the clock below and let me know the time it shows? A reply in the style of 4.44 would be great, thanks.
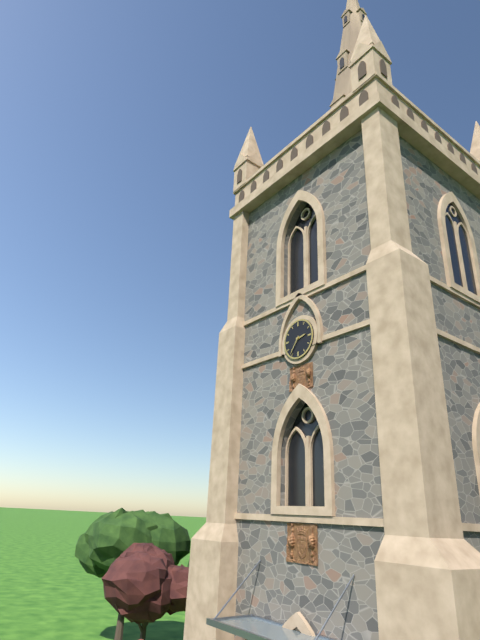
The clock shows 2.36
